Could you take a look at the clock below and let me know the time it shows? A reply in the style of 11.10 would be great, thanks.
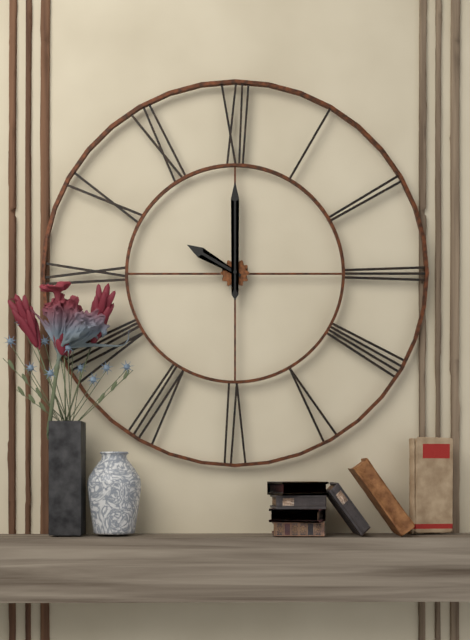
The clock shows 10.00
